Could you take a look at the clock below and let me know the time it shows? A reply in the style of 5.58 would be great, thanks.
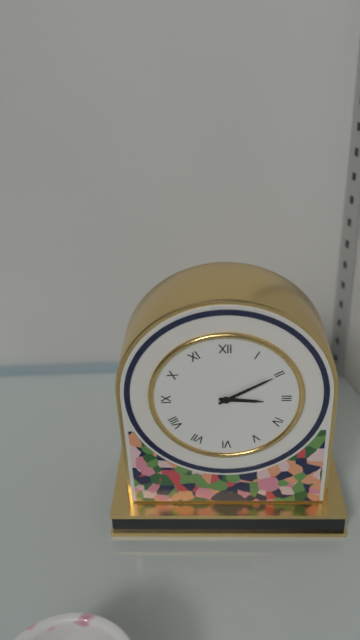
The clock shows 3.10
